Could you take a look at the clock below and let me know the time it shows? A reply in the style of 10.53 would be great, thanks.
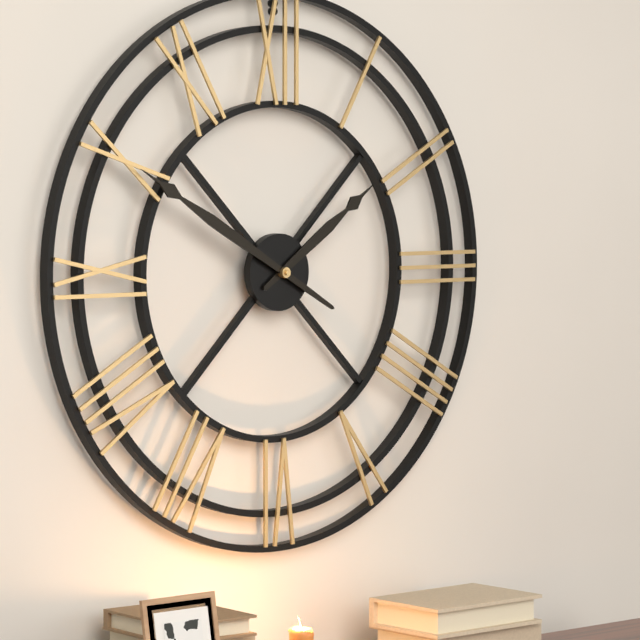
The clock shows 1.50
